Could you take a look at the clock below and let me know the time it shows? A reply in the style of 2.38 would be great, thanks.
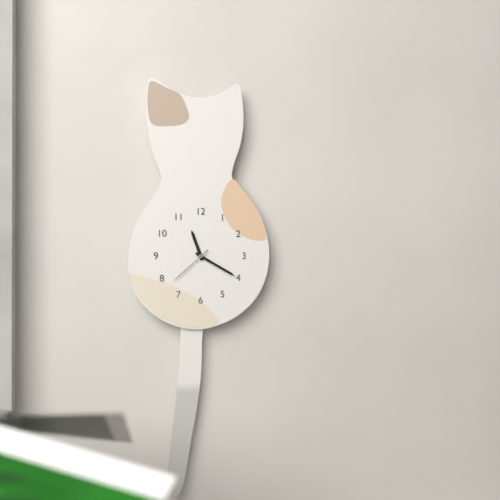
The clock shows 11.20
